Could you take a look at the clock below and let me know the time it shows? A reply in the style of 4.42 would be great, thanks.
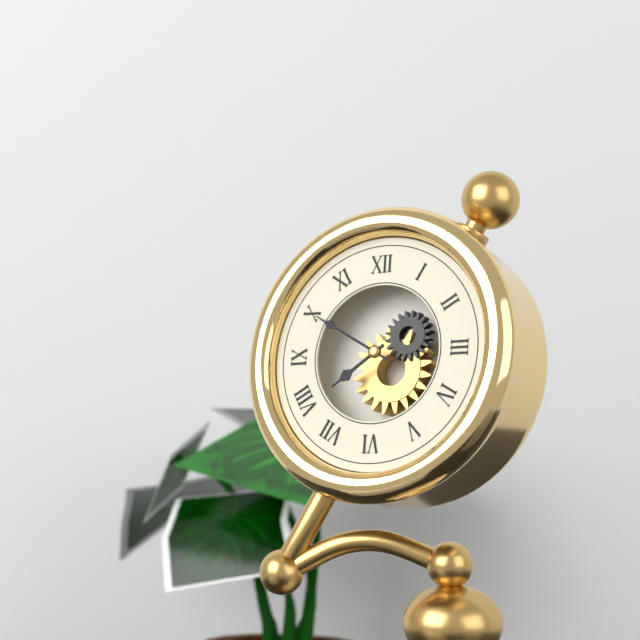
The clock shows 7.50
